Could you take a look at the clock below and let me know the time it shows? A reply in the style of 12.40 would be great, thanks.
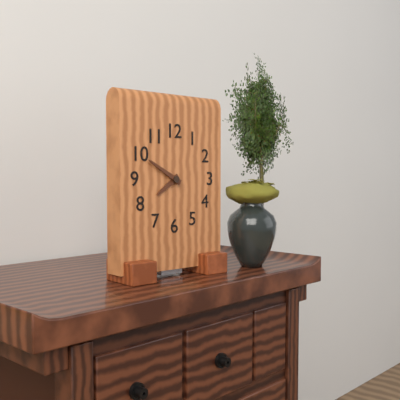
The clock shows 7.50
